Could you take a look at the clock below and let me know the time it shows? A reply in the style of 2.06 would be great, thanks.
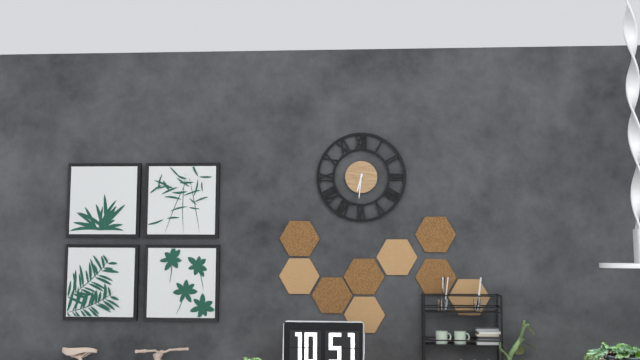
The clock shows 6.31
